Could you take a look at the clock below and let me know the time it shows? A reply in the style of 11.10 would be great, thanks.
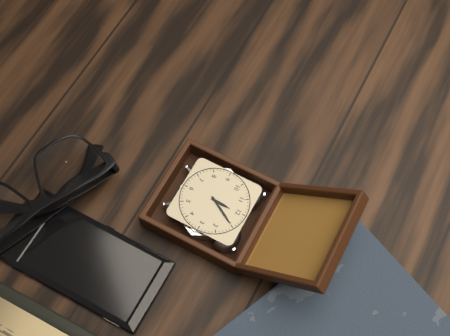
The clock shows 12.05
